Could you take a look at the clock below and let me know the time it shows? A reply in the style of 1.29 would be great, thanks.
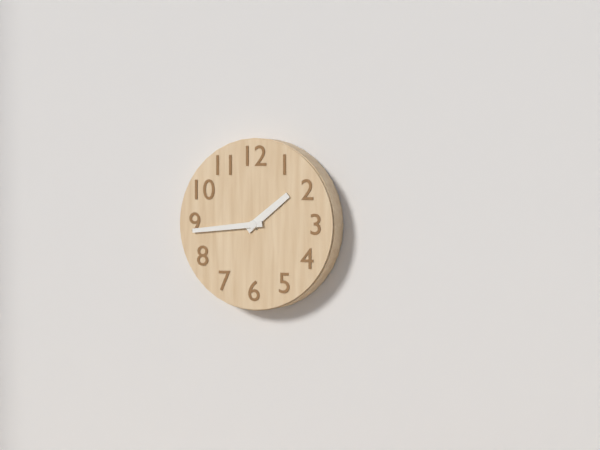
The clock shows 1.44
